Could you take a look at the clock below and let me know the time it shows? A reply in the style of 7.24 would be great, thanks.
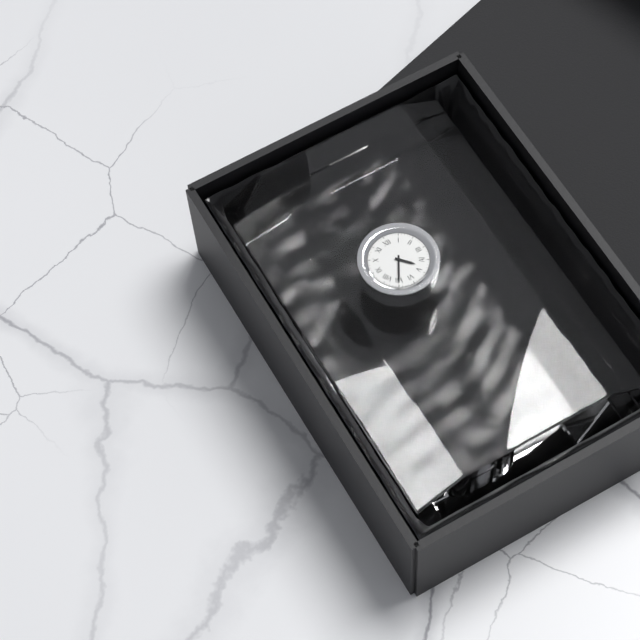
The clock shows 4.35
